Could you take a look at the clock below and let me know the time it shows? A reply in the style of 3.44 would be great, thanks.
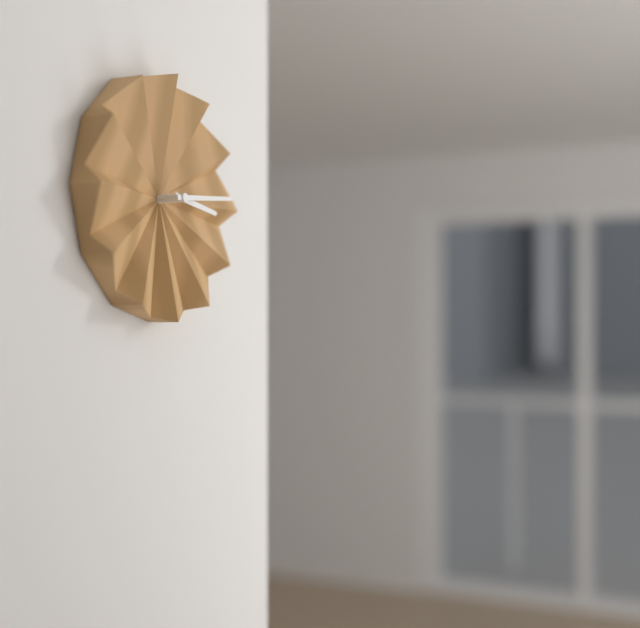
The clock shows 3.14
